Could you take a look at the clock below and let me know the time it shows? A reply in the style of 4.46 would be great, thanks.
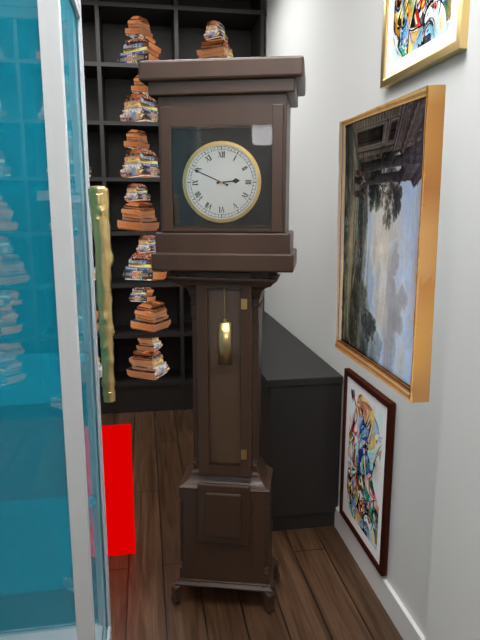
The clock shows 2.49
